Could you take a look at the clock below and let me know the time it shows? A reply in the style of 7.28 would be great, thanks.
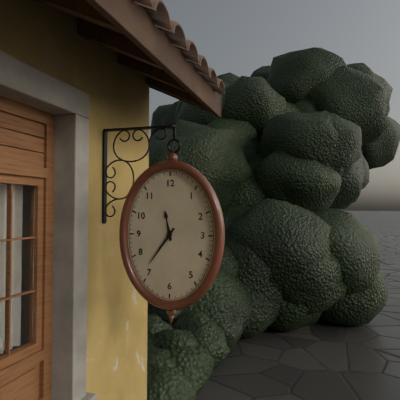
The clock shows 11.36
